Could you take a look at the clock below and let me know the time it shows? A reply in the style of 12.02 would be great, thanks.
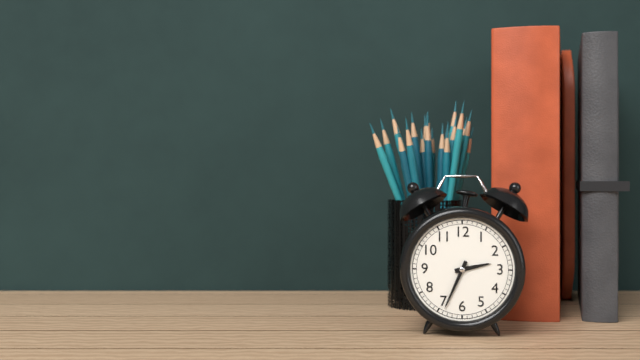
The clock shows 2.34
